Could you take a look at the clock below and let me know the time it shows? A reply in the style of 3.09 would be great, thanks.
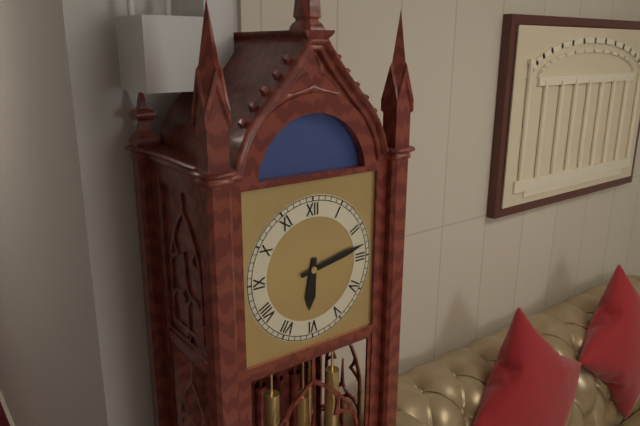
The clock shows 6.13
